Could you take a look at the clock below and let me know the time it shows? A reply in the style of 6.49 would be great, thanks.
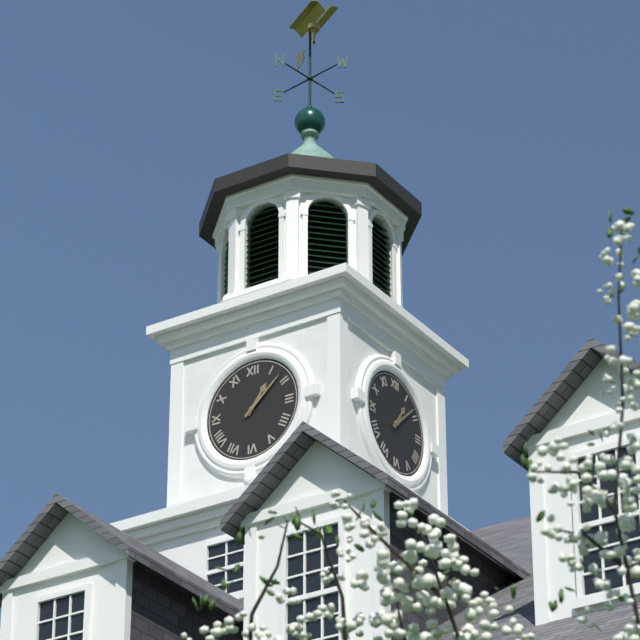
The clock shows 1.08
